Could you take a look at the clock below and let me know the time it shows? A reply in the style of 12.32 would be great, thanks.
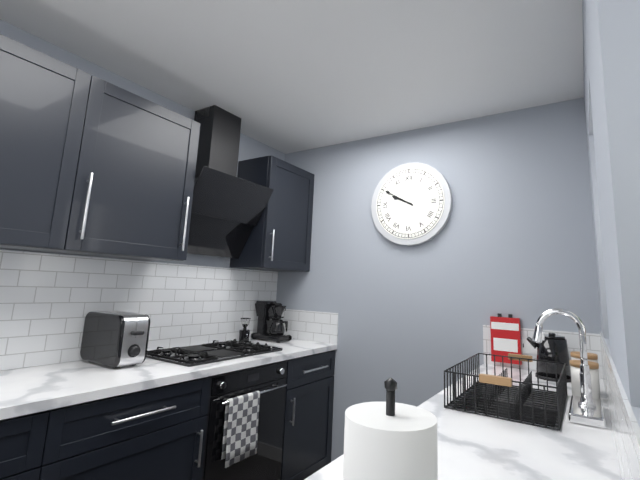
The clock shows 9.50
